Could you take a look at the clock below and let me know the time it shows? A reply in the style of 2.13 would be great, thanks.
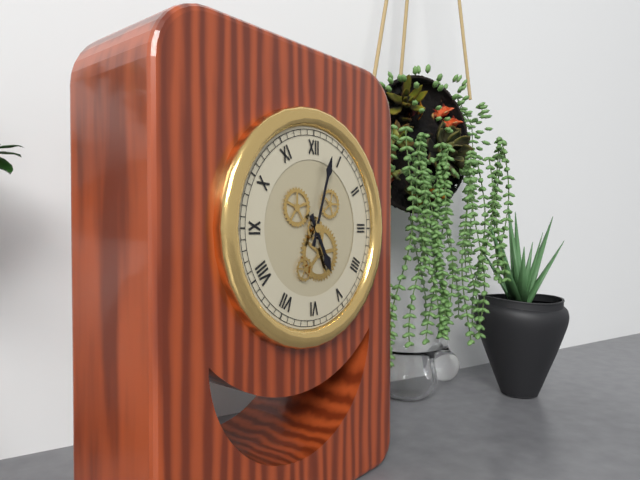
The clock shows 5.03
